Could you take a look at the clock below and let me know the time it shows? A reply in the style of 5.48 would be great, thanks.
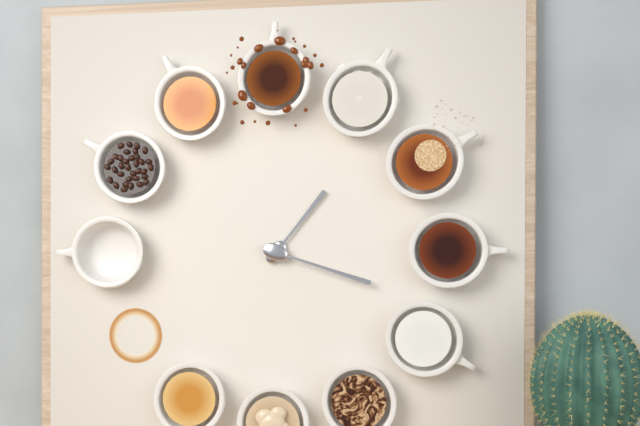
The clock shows 1.18
